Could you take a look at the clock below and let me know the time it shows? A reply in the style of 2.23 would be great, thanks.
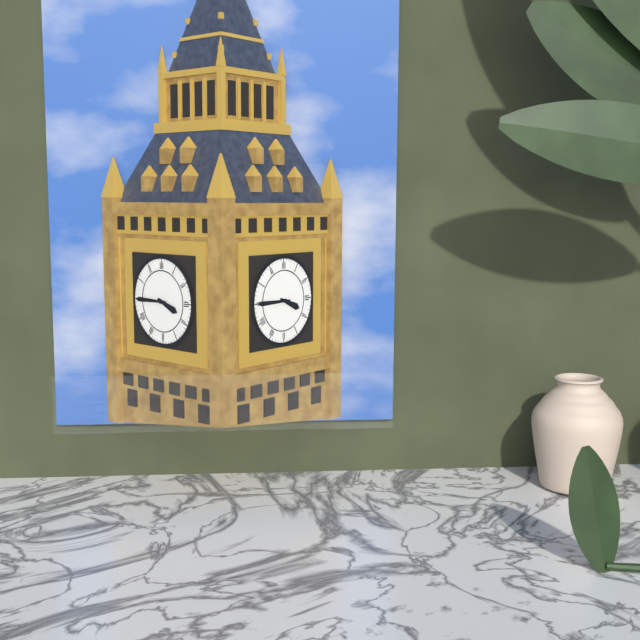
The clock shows 3.45
